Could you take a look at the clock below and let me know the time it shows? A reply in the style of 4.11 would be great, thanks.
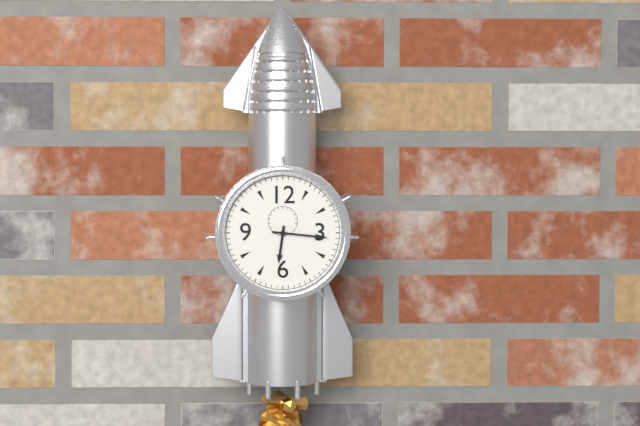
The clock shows 6.16
